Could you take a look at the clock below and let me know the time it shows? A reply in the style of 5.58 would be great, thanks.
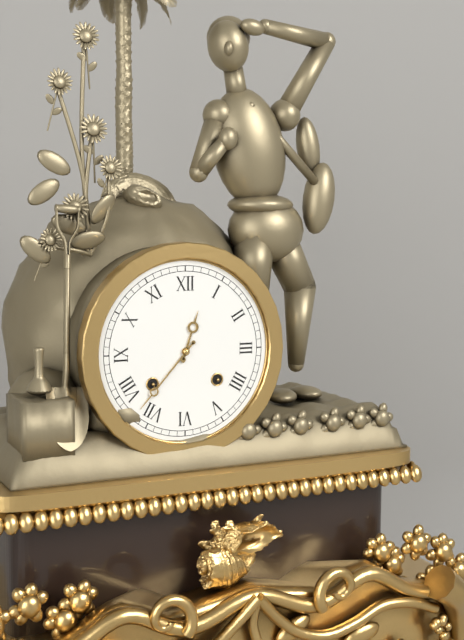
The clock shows 12.37
